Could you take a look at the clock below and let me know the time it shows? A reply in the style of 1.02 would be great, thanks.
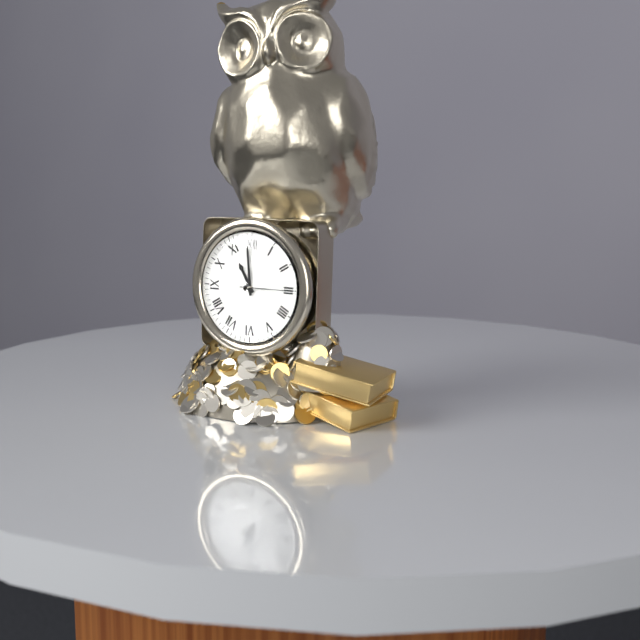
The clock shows 10.59
